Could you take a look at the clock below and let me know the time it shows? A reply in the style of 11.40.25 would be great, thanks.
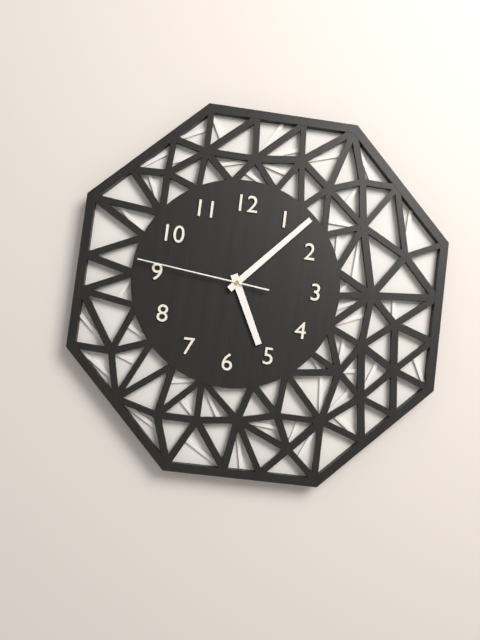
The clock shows 5.07.46
